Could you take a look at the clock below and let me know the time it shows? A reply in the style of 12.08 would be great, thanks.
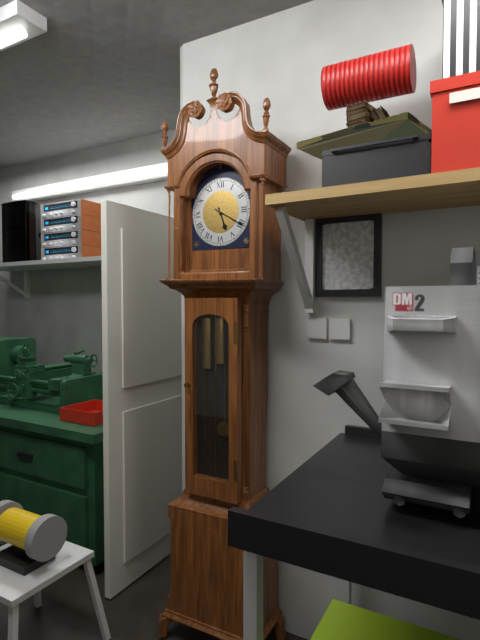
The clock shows 5.20
